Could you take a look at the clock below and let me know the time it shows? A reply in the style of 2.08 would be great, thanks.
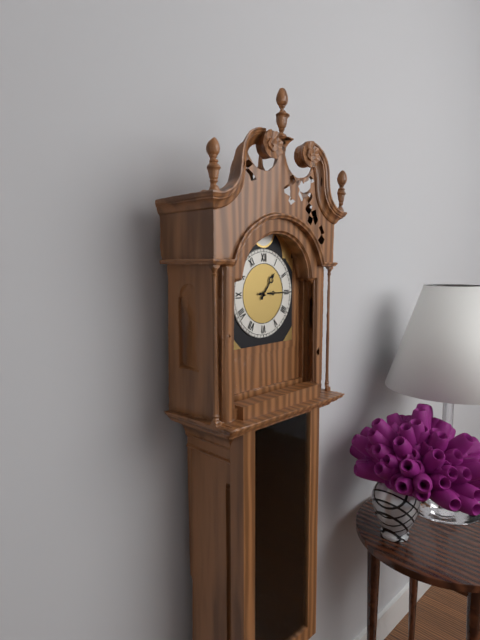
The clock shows 1.15
